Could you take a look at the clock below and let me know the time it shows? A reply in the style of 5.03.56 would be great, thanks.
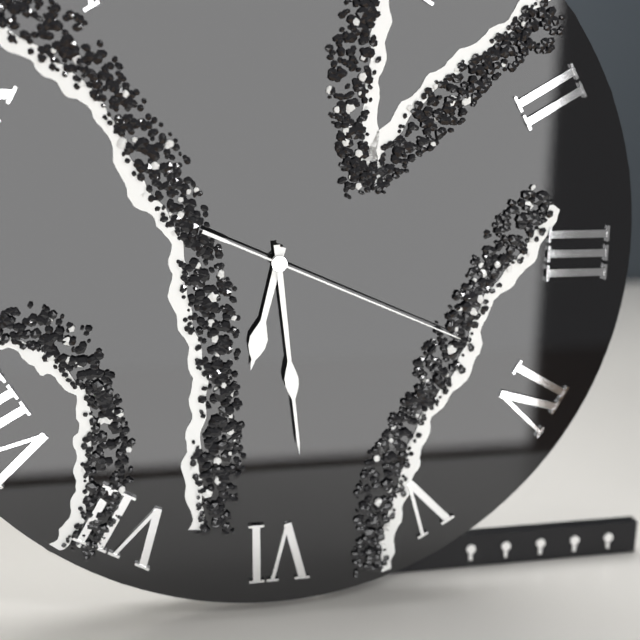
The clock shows 6.29.19
